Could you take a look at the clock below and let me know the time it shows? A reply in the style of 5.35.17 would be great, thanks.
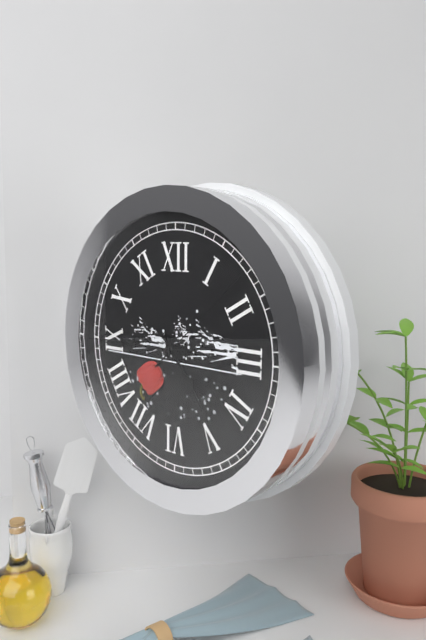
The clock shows 4.45.08
